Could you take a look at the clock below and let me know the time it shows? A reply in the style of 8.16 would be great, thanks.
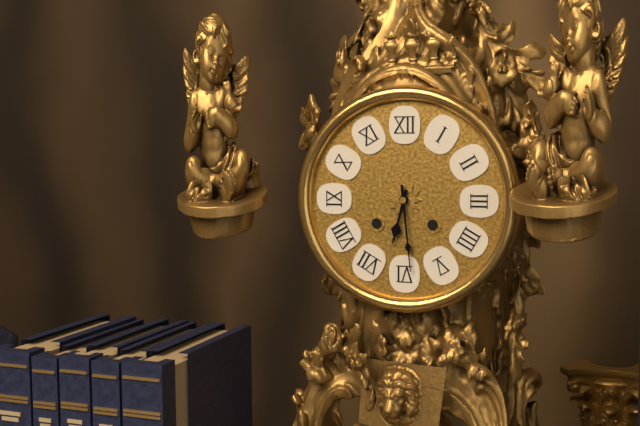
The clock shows 6.29
